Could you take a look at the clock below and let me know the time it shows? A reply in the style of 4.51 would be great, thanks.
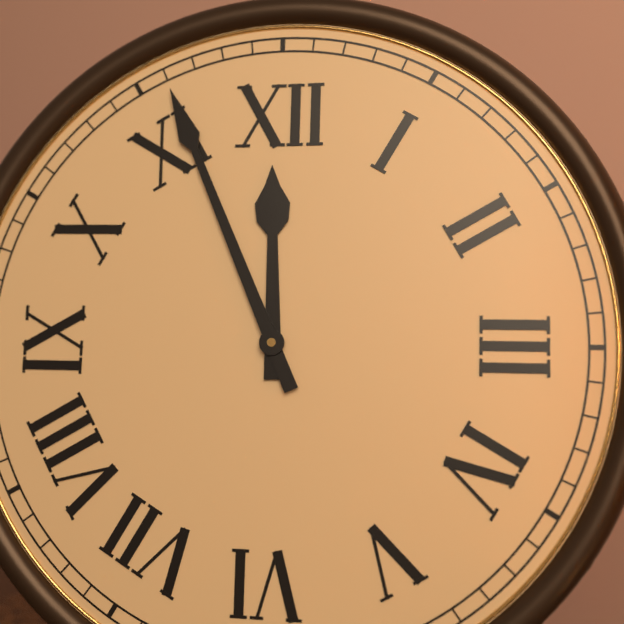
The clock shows 11.56
